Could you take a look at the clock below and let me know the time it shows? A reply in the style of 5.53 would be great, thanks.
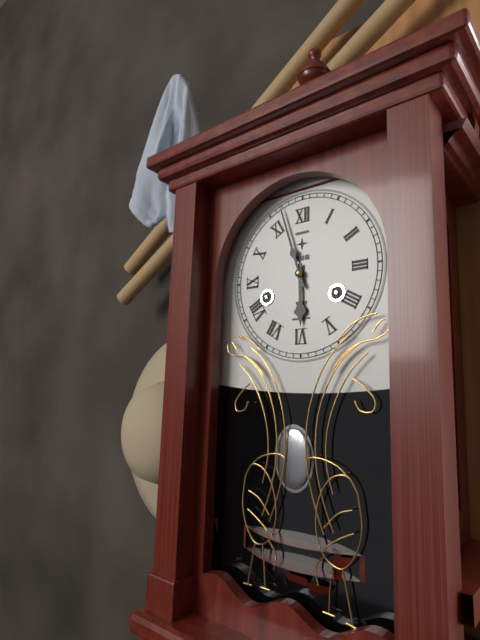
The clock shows 5.57
